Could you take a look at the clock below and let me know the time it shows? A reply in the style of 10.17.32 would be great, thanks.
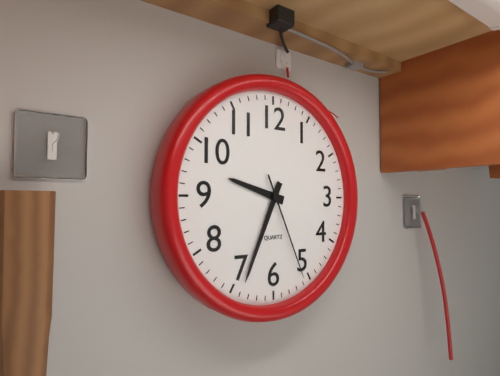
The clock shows 9.34.26
